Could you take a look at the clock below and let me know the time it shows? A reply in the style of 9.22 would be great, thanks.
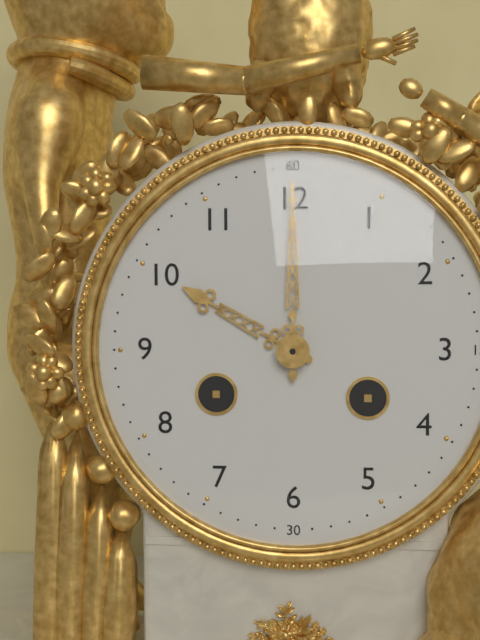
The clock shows 10.00
